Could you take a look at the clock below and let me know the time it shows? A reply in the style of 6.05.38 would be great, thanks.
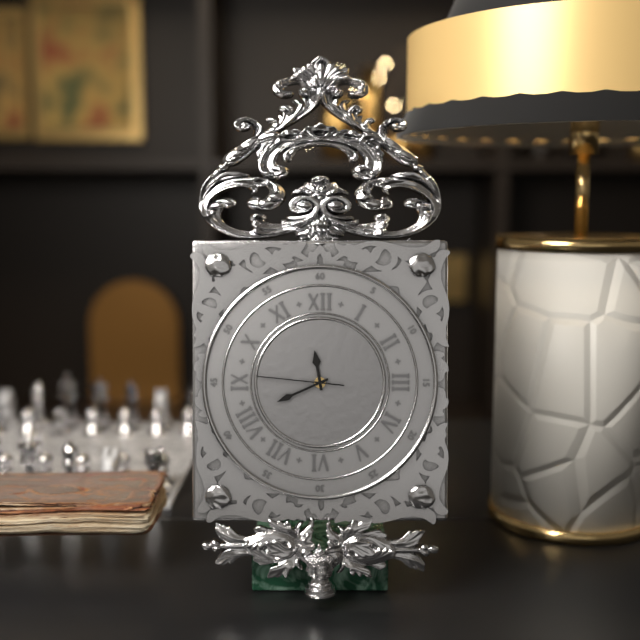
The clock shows 11.41.46
